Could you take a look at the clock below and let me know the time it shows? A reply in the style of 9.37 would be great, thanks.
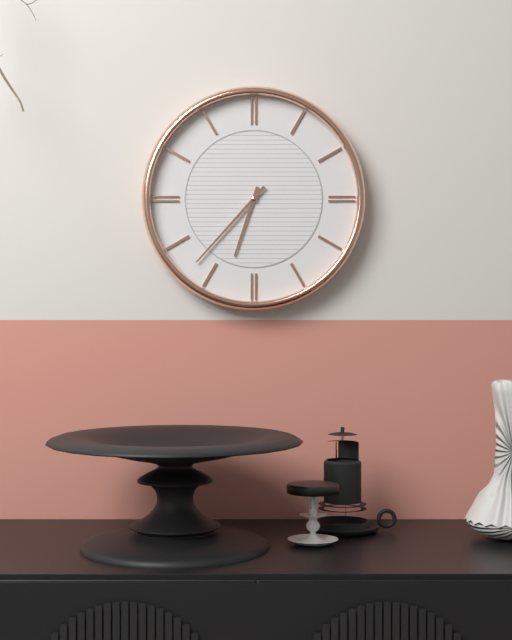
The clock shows 6.37
